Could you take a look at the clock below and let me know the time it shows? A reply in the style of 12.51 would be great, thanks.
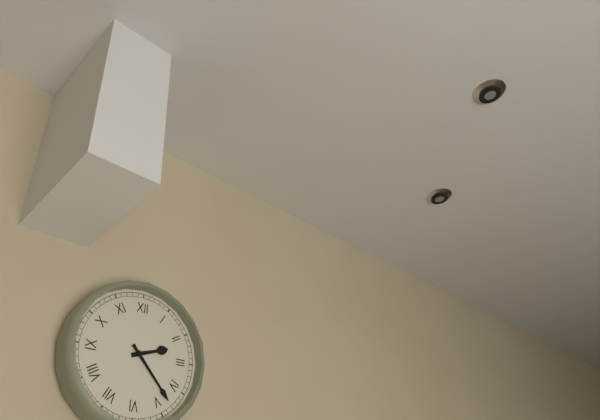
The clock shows 2.23
